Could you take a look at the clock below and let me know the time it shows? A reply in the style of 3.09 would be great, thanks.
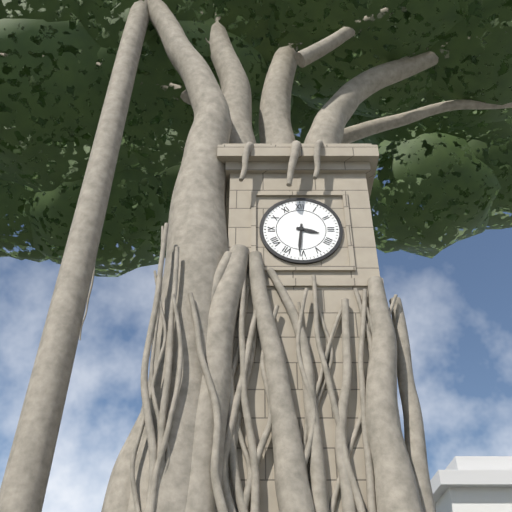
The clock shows 3.31
